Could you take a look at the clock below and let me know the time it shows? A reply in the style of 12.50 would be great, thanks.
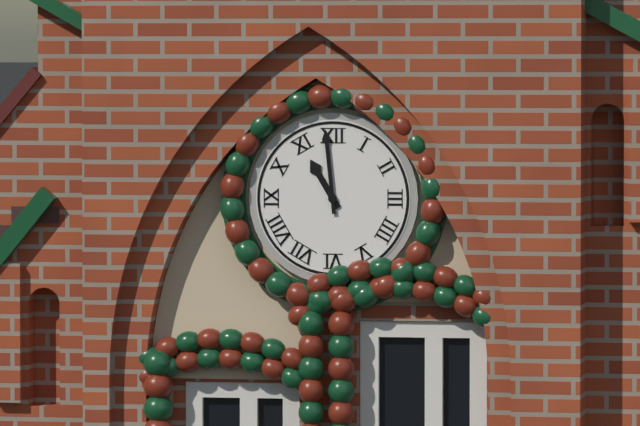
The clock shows 10.59
